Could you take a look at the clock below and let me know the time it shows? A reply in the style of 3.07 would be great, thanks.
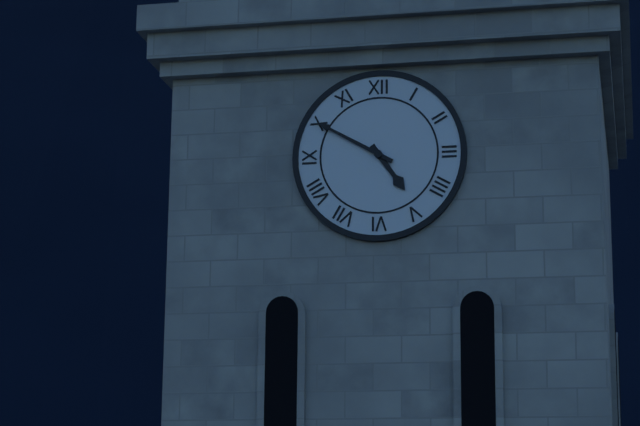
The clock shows 4.50
